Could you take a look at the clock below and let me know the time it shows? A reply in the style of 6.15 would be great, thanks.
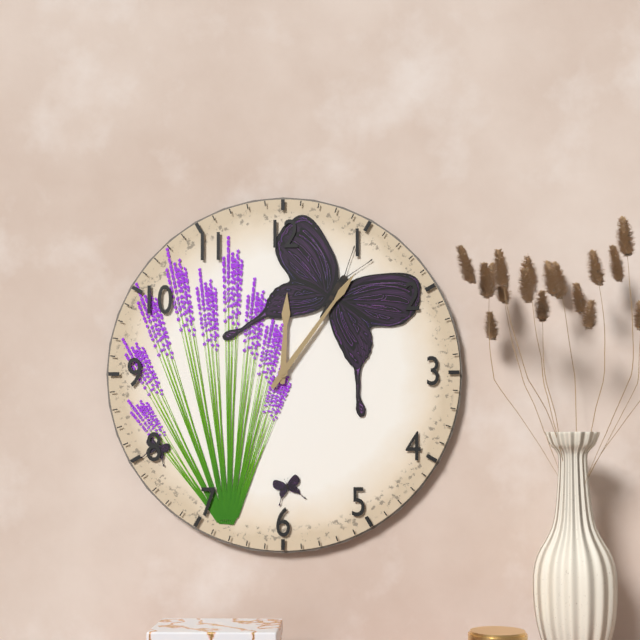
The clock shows 12.06
